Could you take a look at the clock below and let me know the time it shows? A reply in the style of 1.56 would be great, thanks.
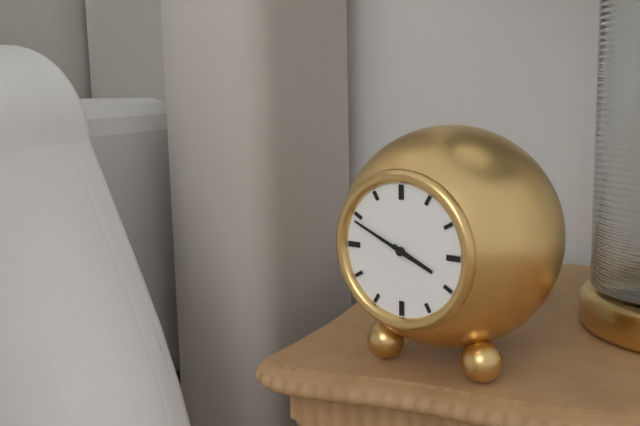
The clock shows 3.49
